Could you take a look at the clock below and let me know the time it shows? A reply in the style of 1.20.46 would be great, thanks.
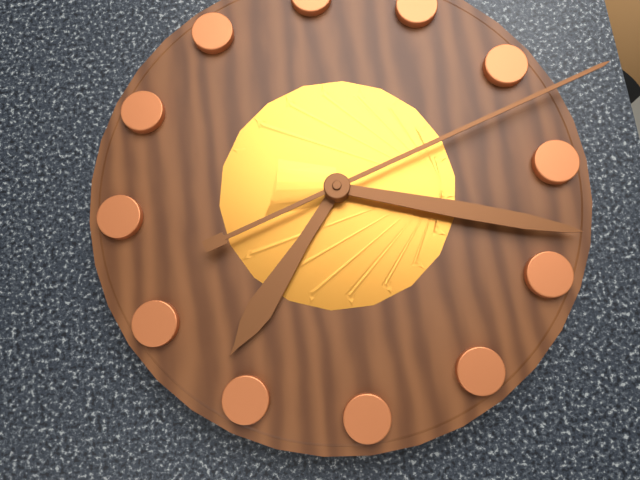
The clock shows 7.18.12
